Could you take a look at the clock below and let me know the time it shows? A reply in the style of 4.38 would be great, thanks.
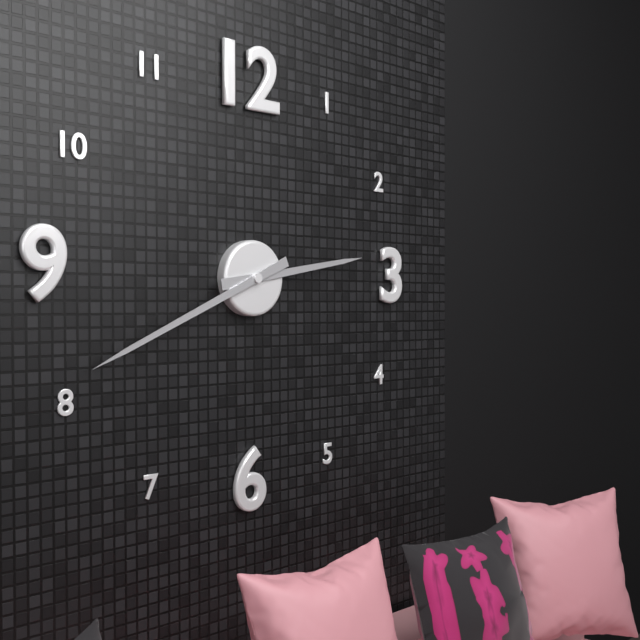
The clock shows 2.41
